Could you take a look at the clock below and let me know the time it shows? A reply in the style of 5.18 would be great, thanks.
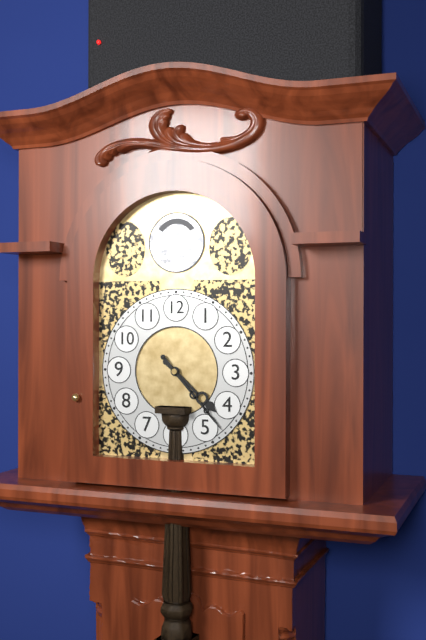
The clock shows 4.23
